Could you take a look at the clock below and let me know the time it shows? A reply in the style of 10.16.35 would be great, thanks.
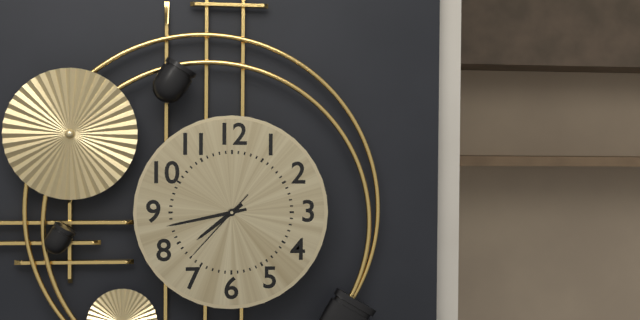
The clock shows 7.43.37
